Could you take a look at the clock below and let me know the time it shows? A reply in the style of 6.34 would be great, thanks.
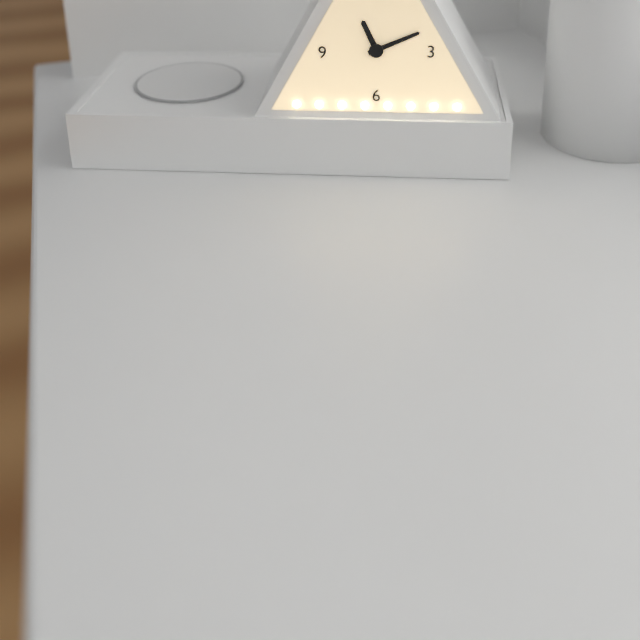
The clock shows 11.11
